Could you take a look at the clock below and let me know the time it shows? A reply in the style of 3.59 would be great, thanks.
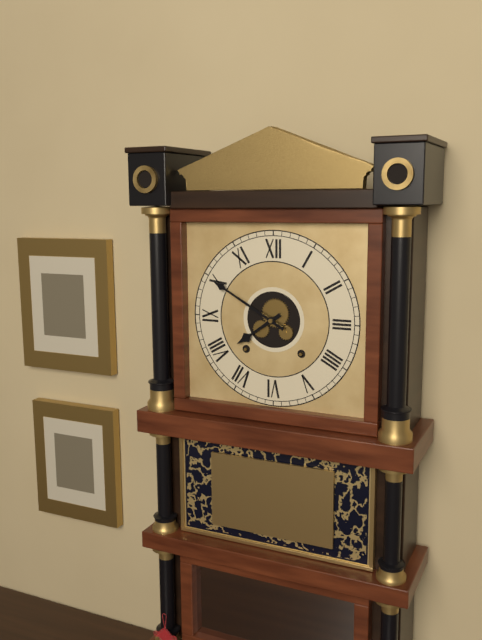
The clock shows 7.50
